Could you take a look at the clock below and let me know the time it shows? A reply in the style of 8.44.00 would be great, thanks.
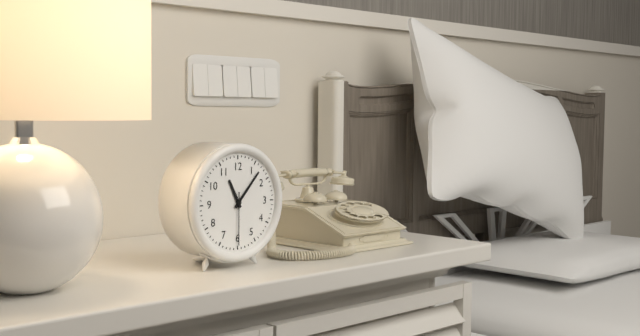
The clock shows 11.07.30
